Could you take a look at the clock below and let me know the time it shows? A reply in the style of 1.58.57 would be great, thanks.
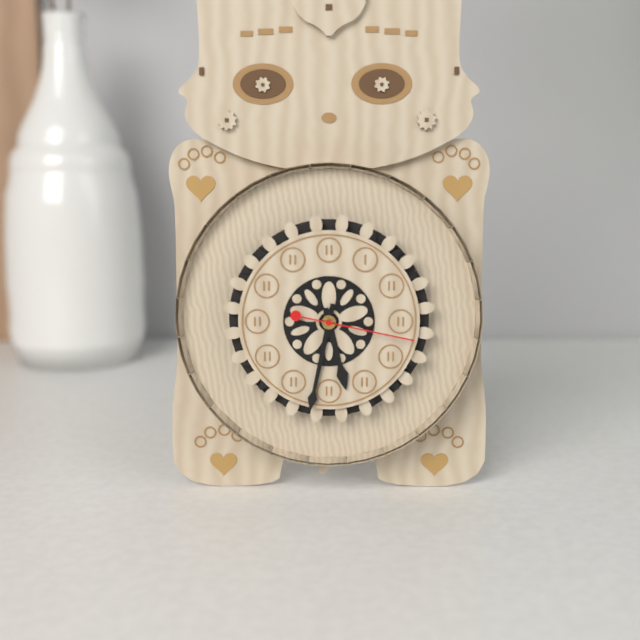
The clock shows 5.32.17
